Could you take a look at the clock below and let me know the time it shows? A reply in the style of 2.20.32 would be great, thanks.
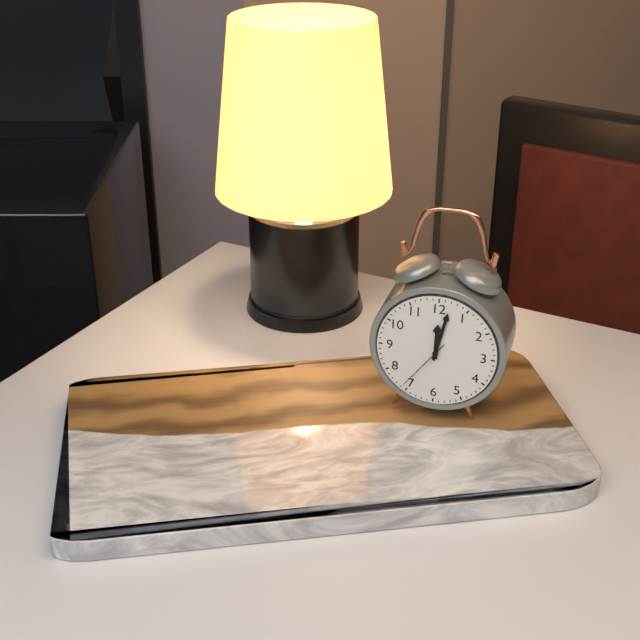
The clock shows 12.02.36
